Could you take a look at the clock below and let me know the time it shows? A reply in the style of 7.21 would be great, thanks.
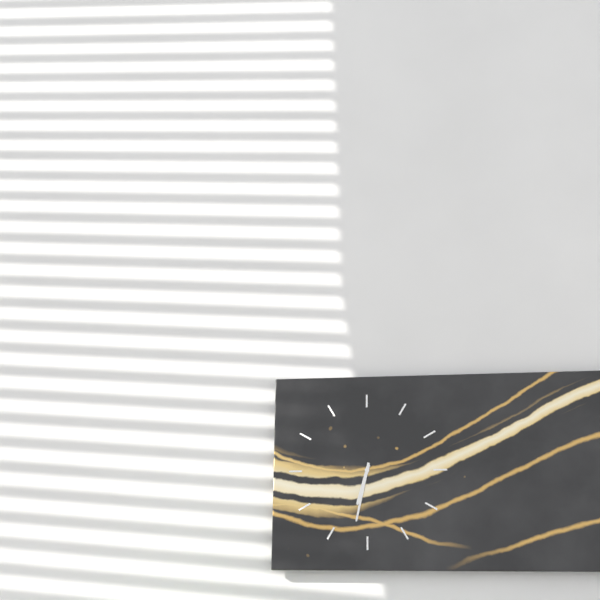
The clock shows 6.32
